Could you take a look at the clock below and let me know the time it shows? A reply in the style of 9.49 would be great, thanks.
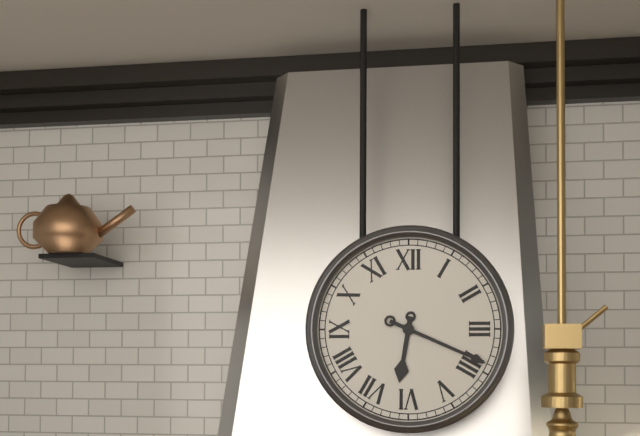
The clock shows 6.19
